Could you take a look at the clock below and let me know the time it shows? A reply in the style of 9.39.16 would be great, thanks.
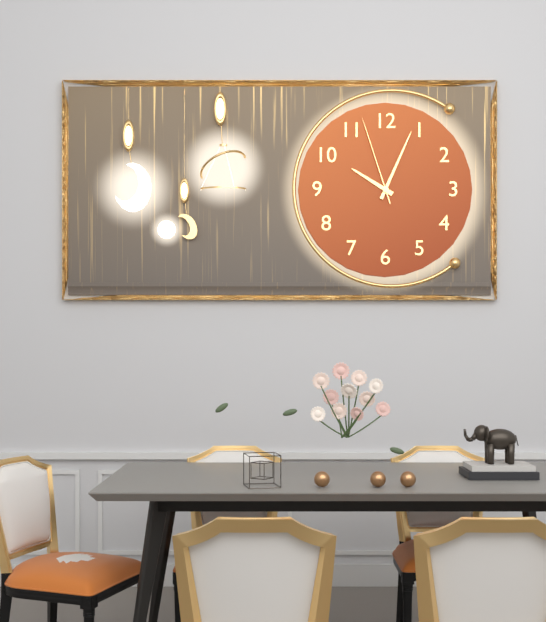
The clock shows 10.04.57
